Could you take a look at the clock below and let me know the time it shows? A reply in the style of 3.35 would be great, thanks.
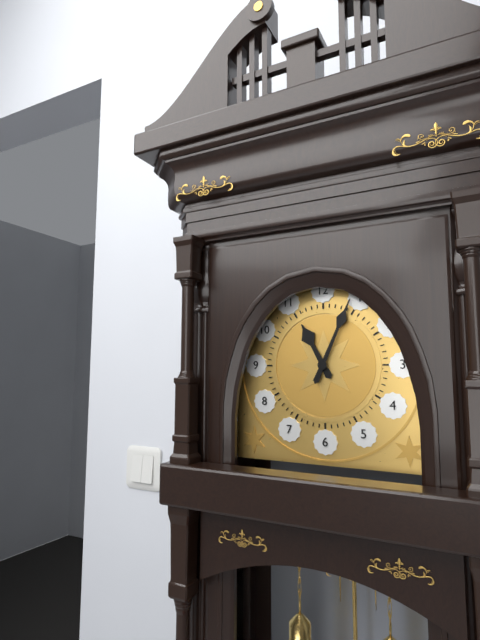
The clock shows 11.04
